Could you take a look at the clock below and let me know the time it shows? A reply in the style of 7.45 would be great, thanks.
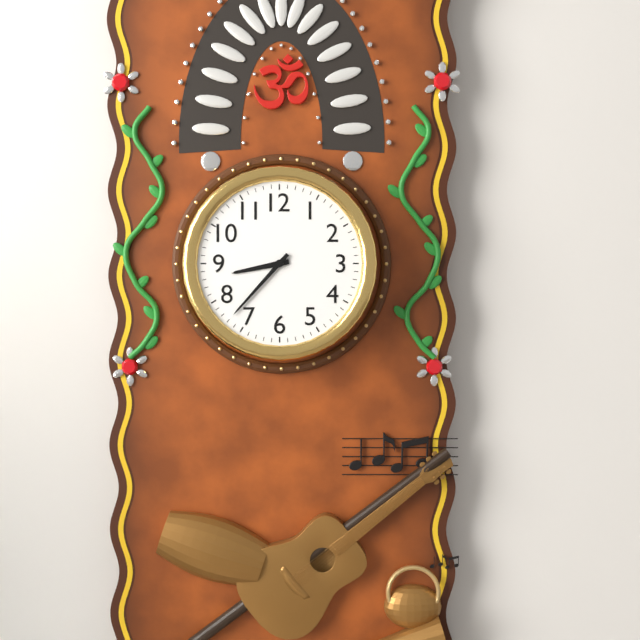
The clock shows 8.37
